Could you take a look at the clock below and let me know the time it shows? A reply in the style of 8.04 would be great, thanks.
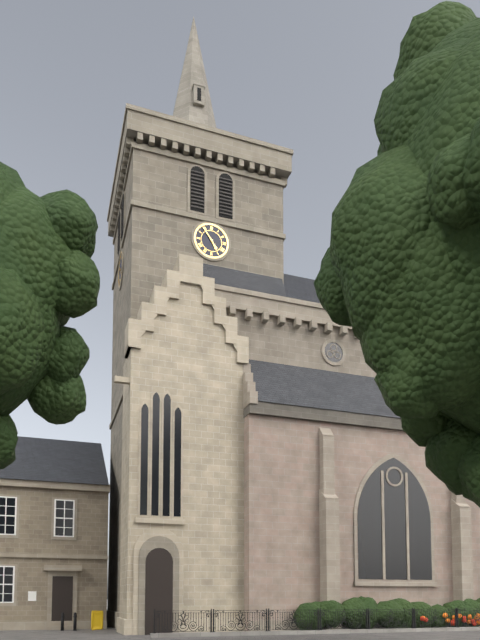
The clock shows 4.54
